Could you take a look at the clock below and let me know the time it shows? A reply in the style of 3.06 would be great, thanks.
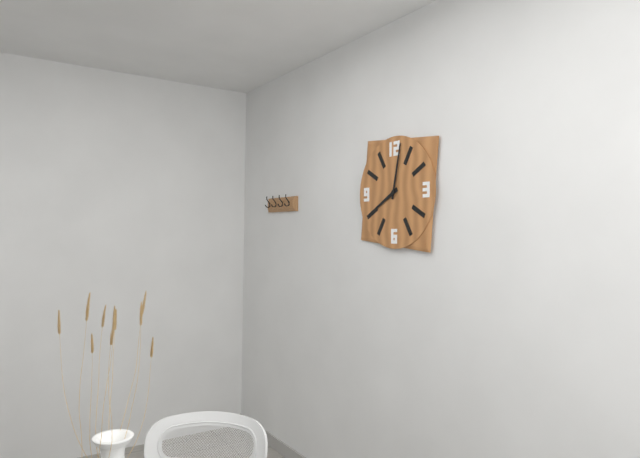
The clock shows 8.02
